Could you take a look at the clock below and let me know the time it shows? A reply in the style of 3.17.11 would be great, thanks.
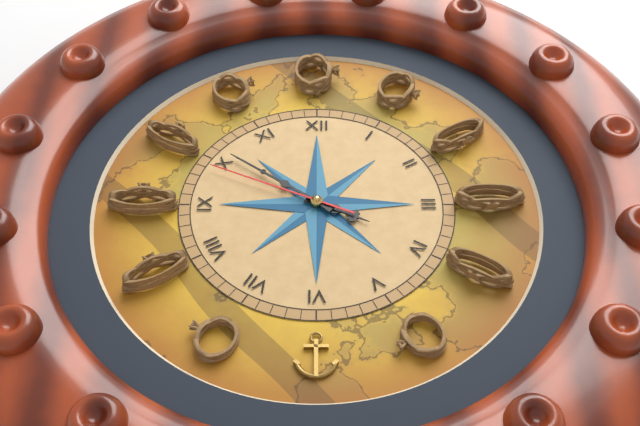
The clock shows 3.51.49
